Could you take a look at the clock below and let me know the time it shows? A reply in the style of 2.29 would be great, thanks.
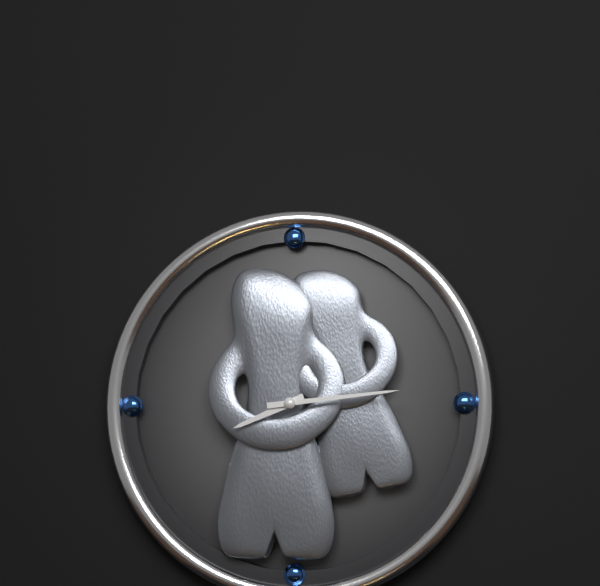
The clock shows 8.14
